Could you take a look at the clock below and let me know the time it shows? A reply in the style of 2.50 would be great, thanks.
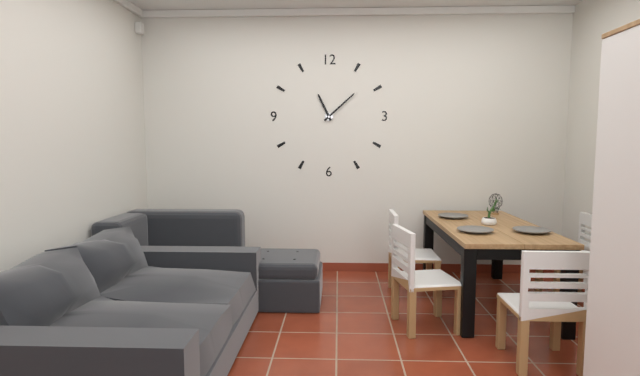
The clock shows 11.08
